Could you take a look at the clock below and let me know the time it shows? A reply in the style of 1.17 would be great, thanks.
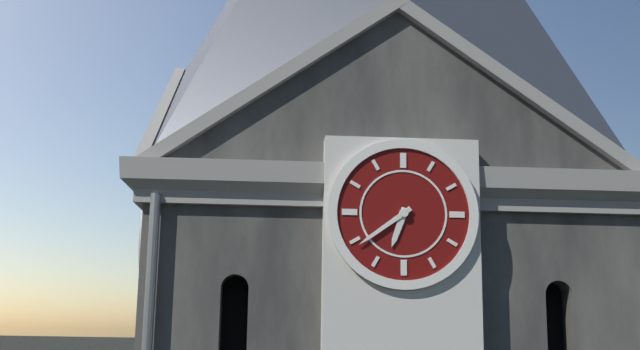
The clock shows 6.39
